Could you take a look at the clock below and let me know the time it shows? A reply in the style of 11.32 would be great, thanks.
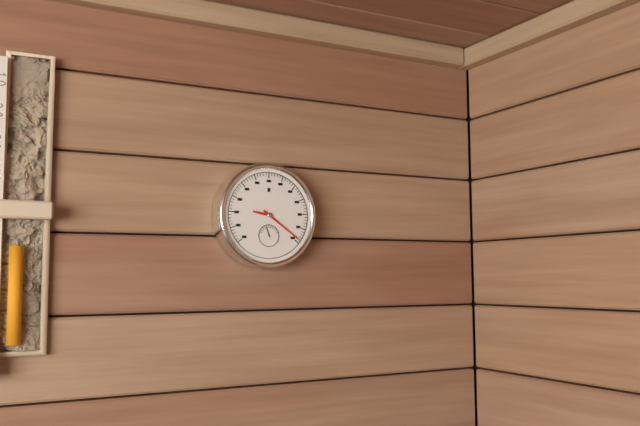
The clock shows 9.21
